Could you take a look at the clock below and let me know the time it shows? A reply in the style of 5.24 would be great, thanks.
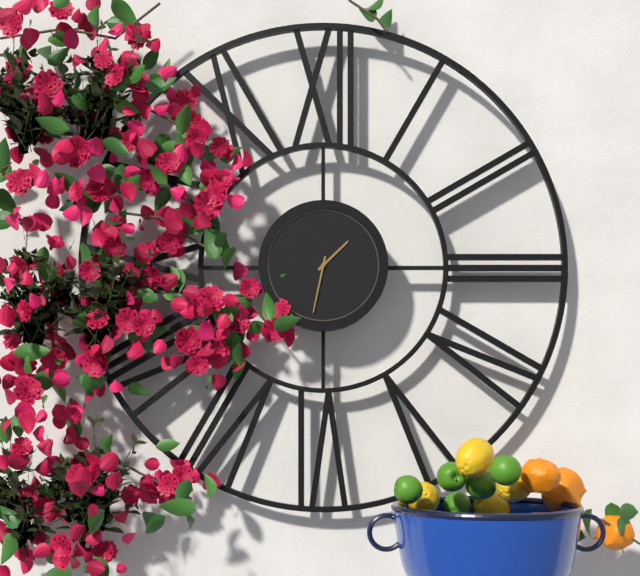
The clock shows 1.32
